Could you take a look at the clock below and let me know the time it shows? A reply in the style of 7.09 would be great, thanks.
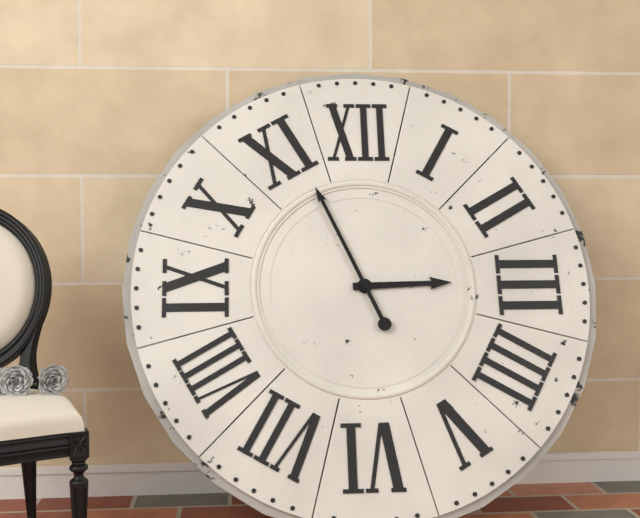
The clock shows 2.56
